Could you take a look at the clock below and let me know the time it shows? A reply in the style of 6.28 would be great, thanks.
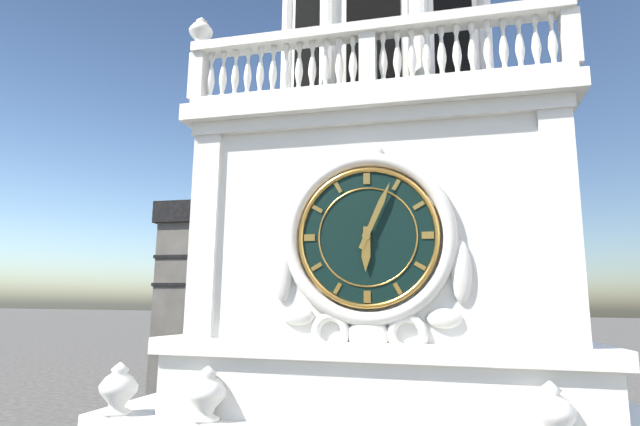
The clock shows 6.04
